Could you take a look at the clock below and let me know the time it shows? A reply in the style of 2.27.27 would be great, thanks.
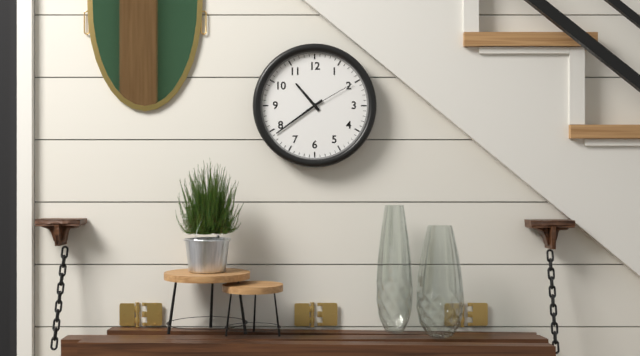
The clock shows 10.39.10
